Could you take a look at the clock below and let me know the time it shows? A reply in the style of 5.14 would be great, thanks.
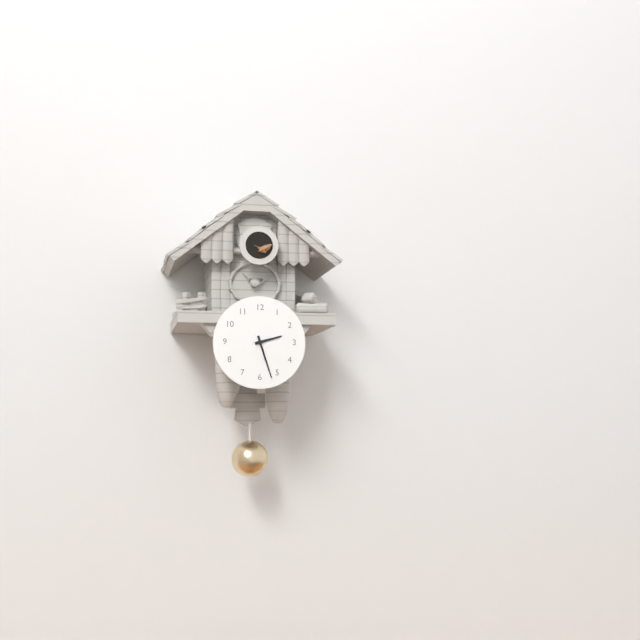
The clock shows 2.27
